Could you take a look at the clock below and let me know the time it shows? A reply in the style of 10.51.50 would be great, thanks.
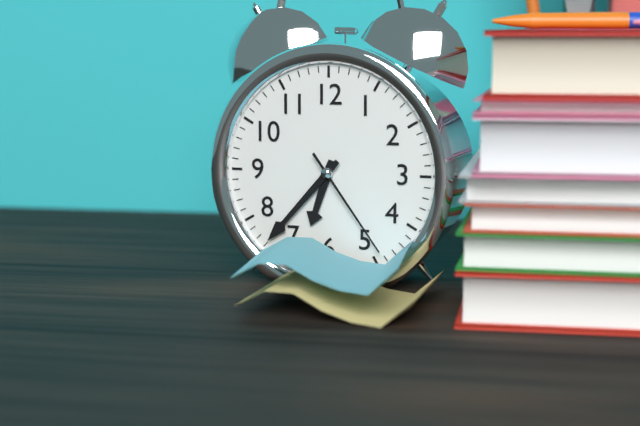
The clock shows 6.37.24
